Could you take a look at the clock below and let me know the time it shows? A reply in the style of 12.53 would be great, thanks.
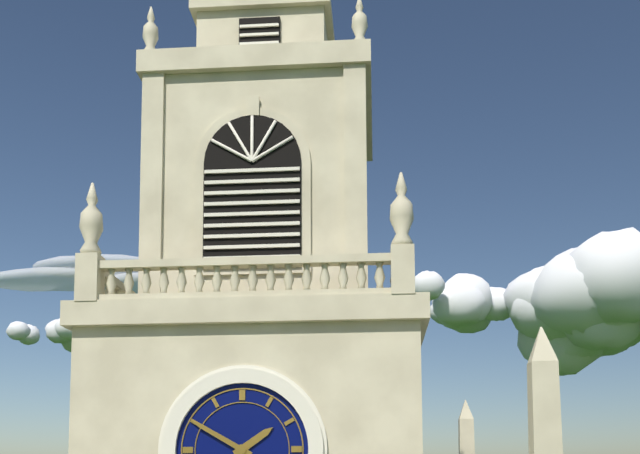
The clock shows 1.50
